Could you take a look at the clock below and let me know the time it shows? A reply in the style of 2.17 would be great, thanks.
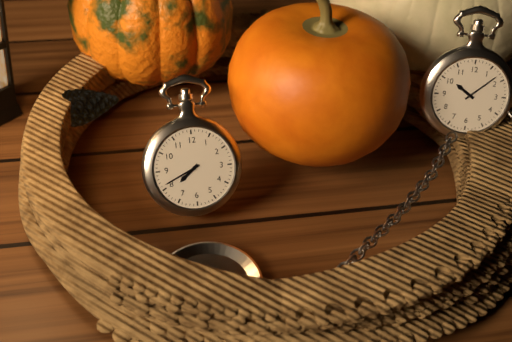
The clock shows 7.41
